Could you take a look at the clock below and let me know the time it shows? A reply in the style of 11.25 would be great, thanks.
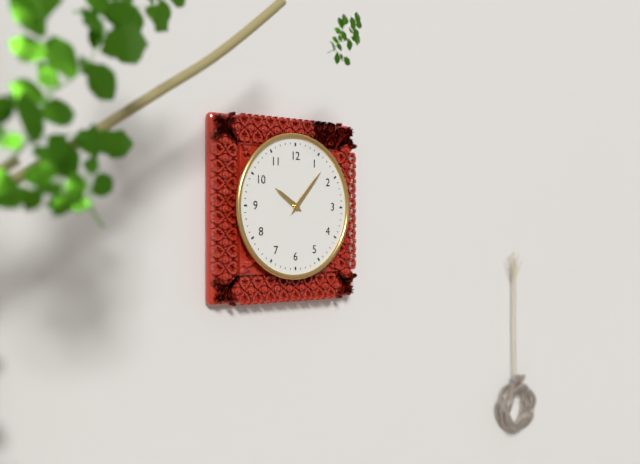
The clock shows 10.07
